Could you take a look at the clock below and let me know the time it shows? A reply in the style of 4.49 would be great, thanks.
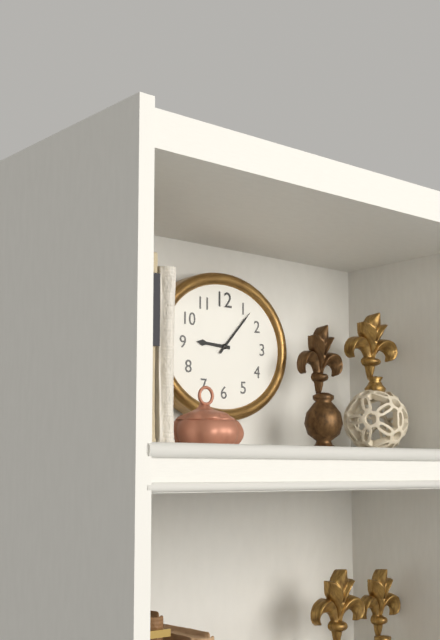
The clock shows 9.07
